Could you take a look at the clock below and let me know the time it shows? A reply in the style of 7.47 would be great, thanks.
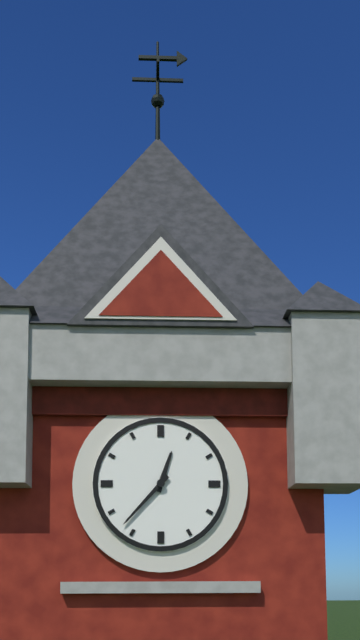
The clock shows 12.37
